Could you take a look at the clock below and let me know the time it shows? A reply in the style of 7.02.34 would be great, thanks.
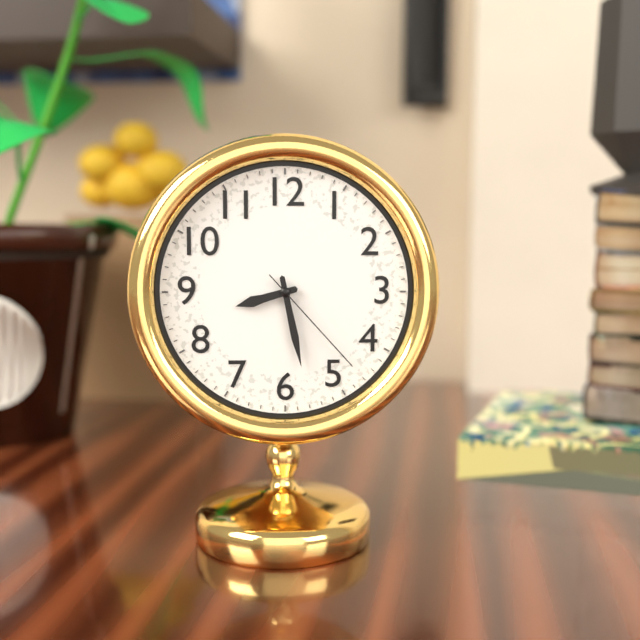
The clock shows 8.28.23
